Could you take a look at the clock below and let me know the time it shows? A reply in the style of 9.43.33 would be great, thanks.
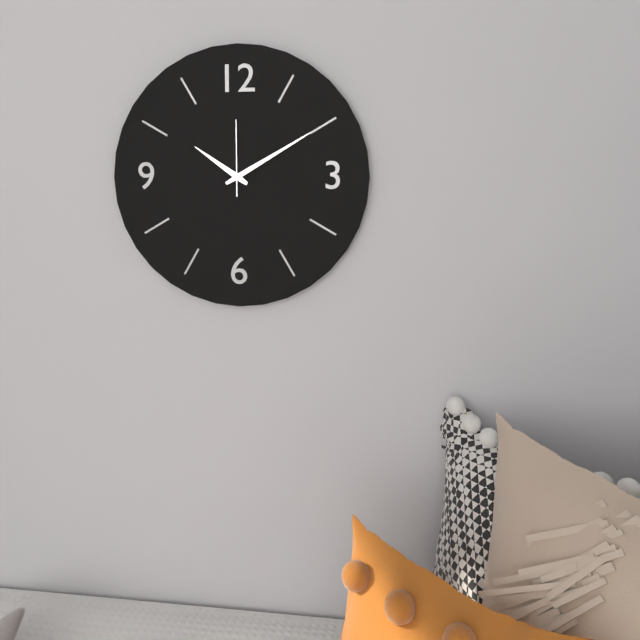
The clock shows 10.10.00
